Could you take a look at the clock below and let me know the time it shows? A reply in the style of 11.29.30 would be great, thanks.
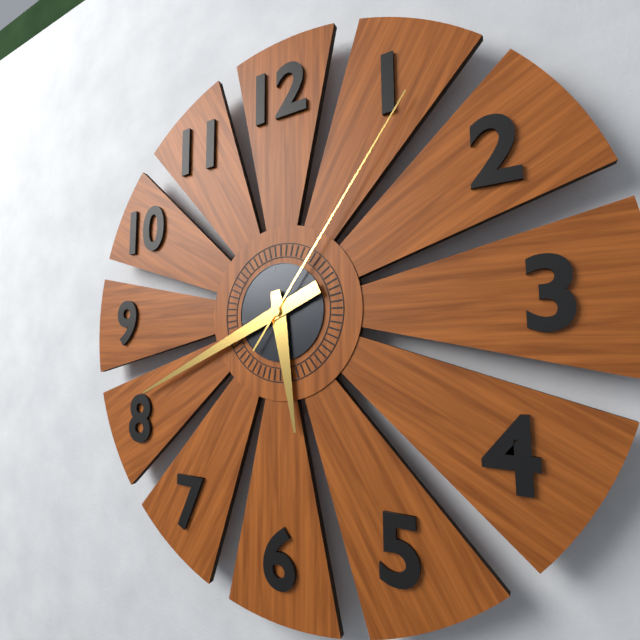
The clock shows 5.41.06
